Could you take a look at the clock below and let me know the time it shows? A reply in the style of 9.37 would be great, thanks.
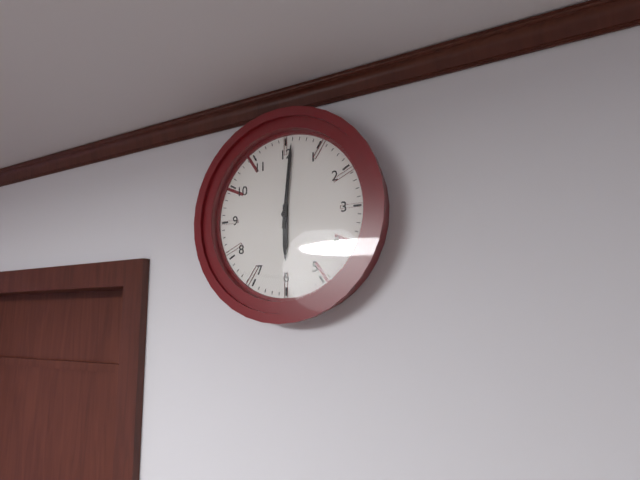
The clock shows 6.01
